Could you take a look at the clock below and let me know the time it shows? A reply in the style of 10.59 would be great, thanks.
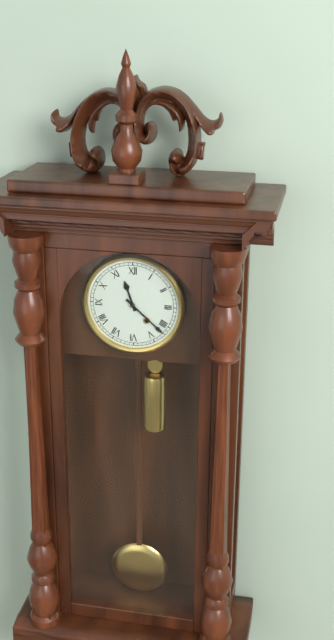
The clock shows 11.22
